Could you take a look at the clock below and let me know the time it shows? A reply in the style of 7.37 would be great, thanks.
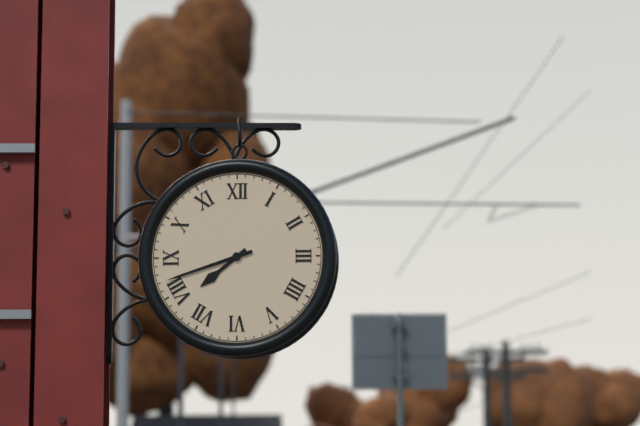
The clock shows 7.42
